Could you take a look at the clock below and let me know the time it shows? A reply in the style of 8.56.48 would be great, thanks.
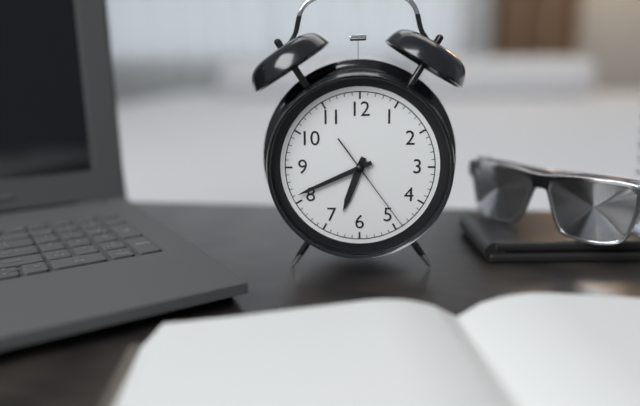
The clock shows 6.41.24
